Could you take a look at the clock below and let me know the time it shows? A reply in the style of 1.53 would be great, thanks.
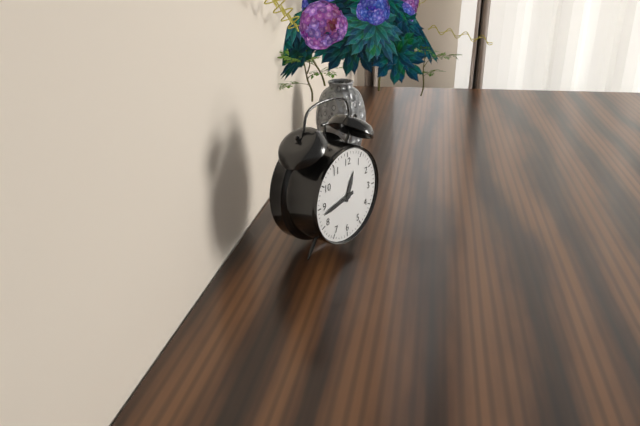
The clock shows 12.43
